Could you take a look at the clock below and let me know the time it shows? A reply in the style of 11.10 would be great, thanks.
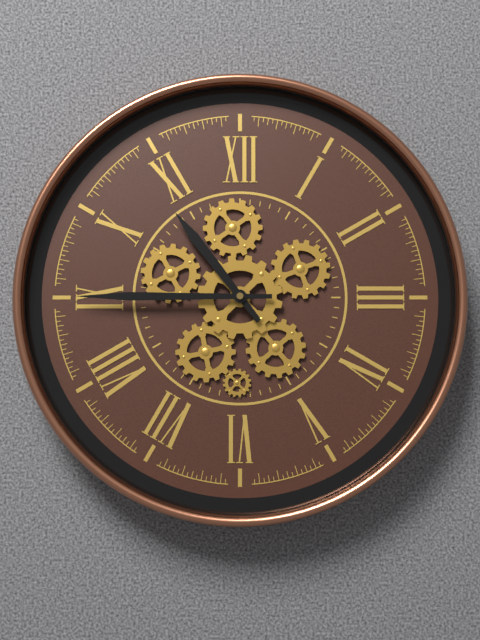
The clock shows 10.45
